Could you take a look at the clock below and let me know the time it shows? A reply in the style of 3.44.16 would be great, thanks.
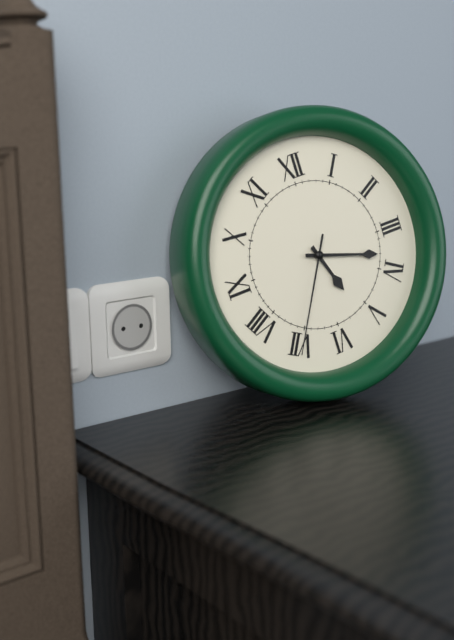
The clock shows 5.18.35
